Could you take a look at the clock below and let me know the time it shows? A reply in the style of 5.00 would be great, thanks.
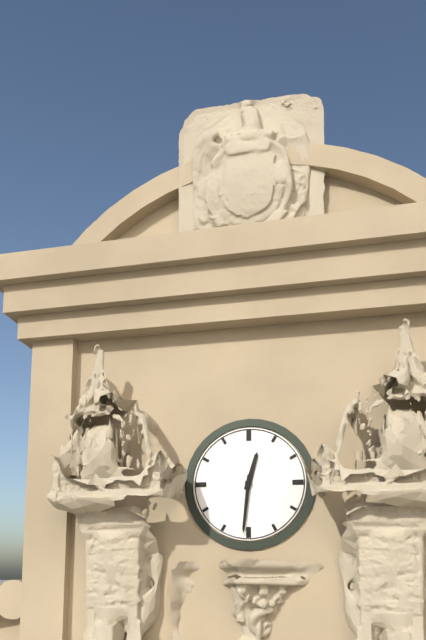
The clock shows 12.31
